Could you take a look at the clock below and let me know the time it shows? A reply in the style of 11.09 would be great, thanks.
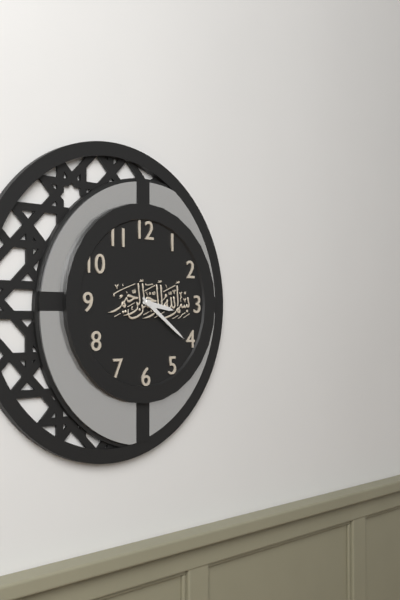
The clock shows 3.21
